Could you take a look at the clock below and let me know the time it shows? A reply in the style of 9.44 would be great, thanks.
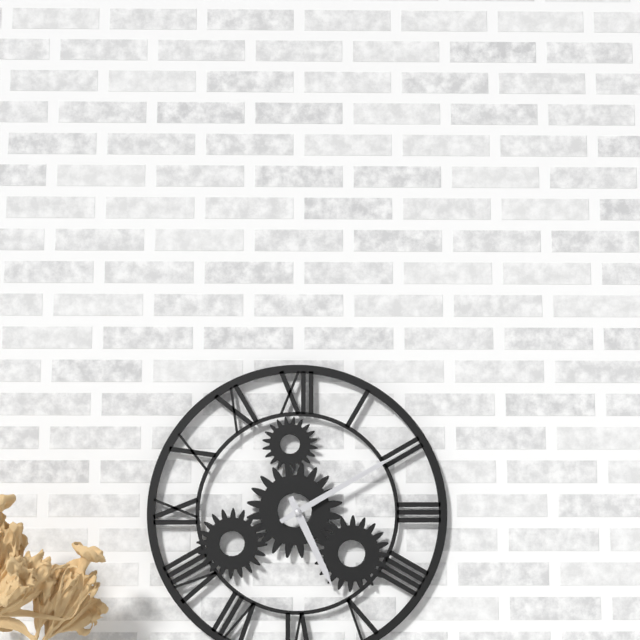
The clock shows 5.10
